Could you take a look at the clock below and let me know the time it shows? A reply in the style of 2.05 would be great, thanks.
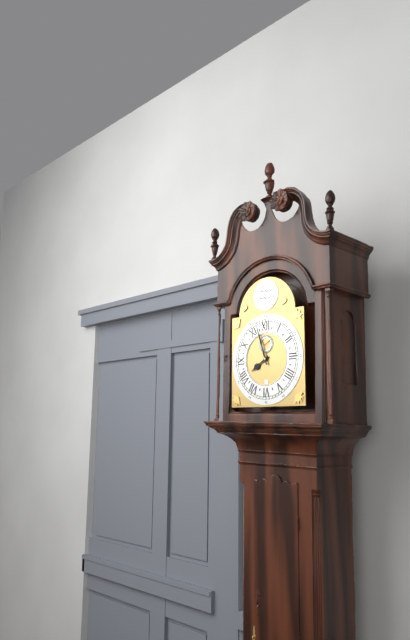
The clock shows 7.57
